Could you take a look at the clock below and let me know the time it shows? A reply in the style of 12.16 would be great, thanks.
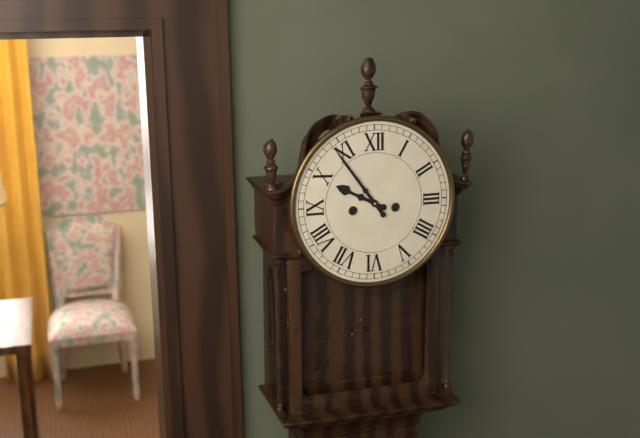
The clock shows 9.54
